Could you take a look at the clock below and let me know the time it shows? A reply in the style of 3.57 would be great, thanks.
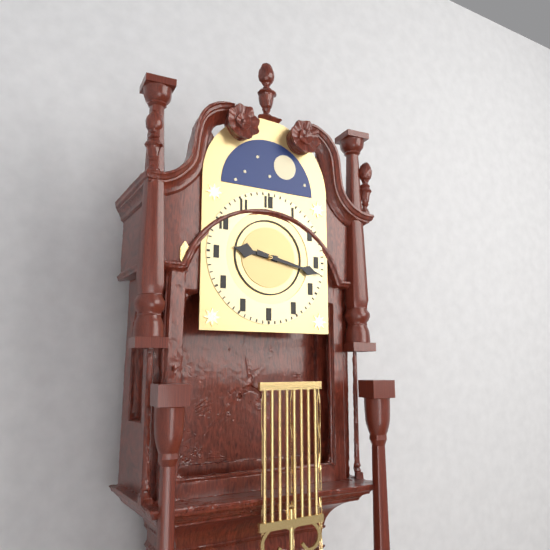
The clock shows 9.17
